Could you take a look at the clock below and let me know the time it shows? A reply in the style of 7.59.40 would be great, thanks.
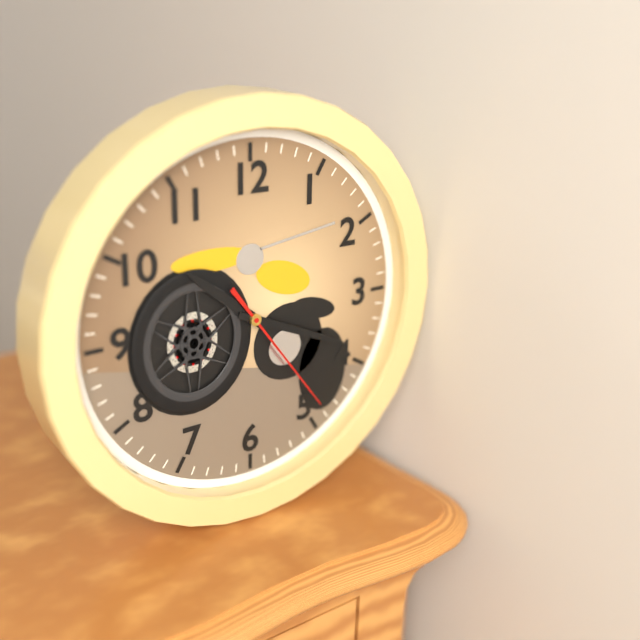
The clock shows 10.19.24
